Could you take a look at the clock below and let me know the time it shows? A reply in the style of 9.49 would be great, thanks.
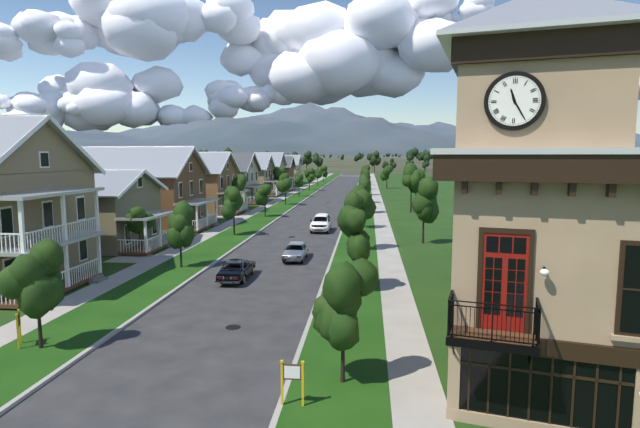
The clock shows 11.25
